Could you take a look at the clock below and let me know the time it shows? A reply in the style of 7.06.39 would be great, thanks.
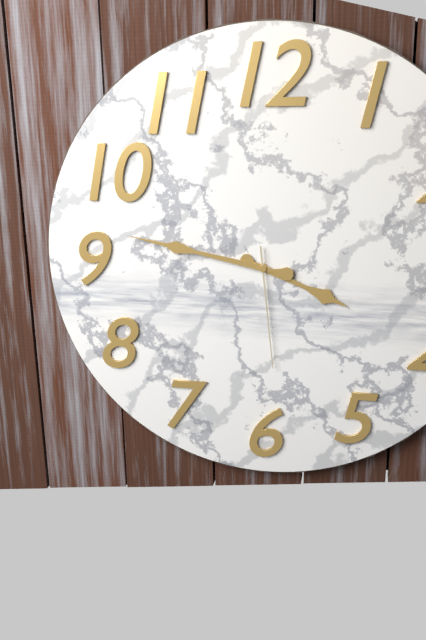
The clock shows 3.47.29
